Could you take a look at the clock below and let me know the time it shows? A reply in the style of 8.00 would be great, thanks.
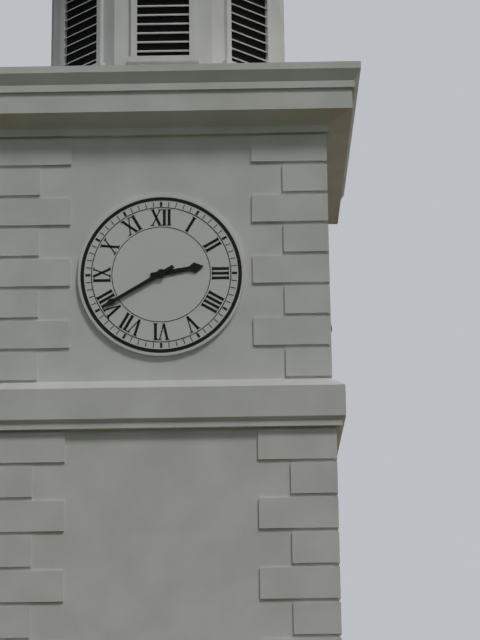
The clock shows 2.40
